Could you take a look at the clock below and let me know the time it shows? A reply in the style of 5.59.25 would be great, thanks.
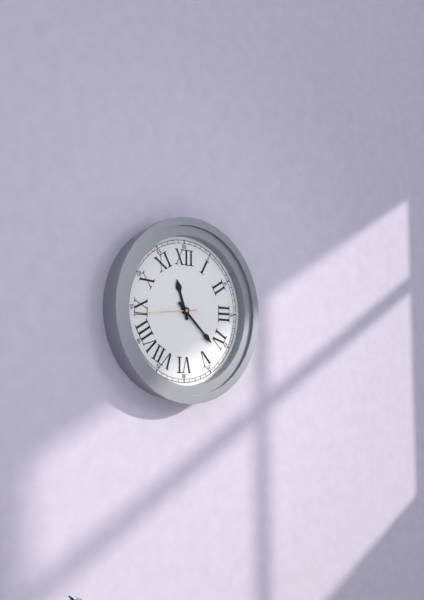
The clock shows 11.22.44
